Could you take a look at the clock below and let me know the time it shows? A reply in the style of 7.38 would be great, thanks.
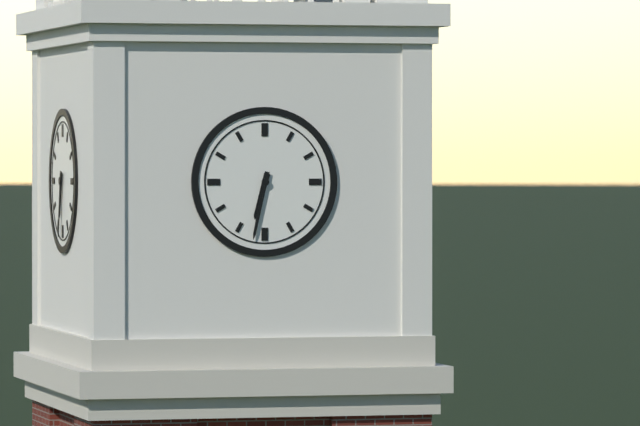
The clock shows 6.32
